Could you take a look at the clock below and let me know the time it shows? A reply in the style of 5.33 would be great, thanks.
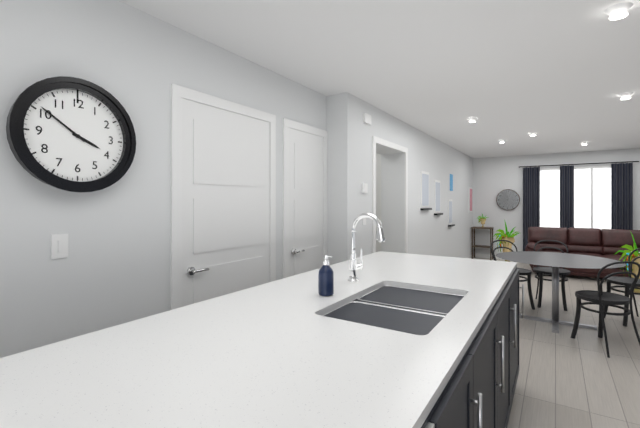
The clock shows 3.51
